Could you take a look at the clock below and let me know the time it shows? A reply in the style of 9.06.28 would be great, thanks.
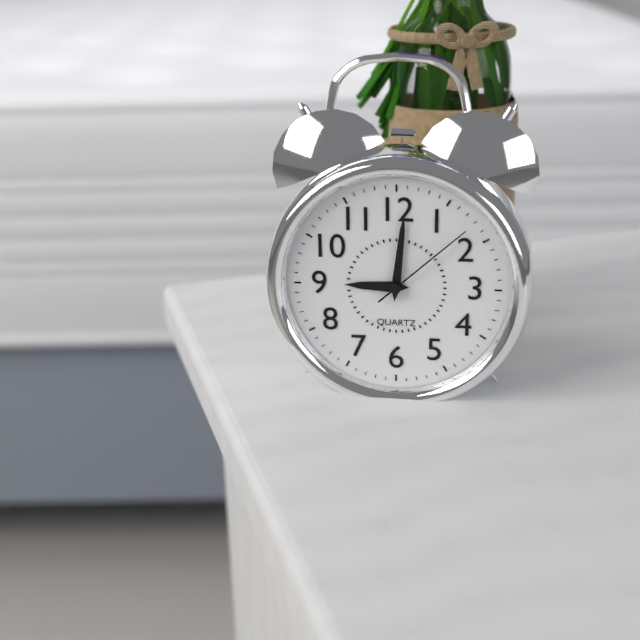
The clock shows 9.01.08
